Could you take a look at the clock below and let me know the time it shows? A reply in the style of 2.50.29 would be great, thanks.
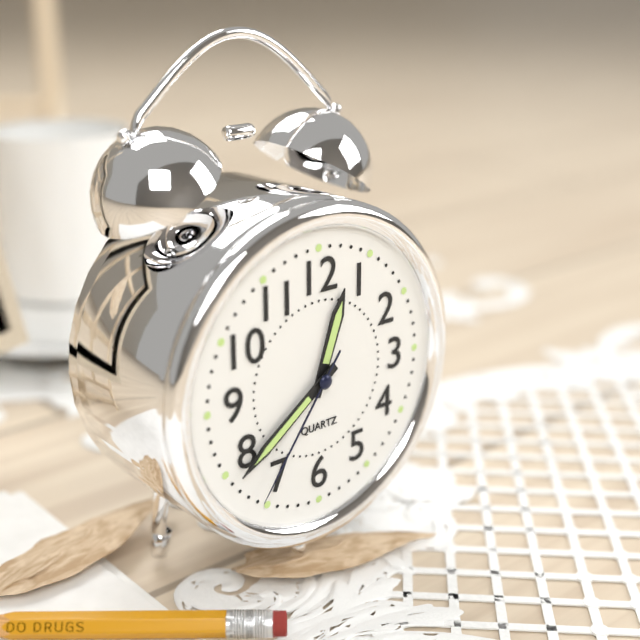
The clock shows 12.39.36
